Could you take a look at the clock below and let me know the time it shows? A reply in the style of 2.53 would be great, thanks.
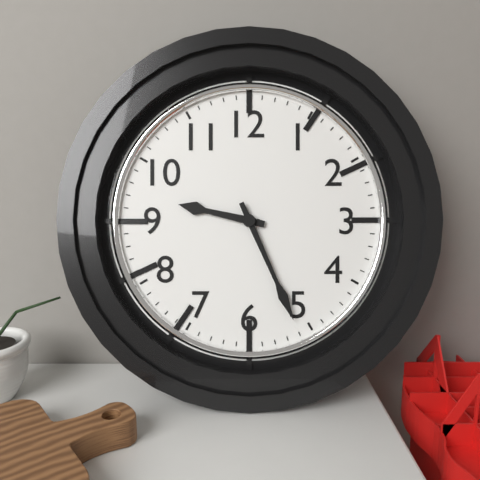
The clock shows 9.26
